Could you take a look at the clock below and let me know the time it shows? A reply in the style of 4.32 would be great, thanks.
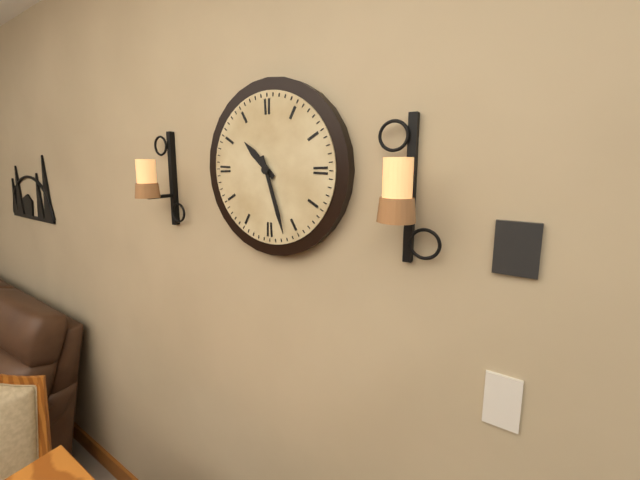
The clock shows 10.27
